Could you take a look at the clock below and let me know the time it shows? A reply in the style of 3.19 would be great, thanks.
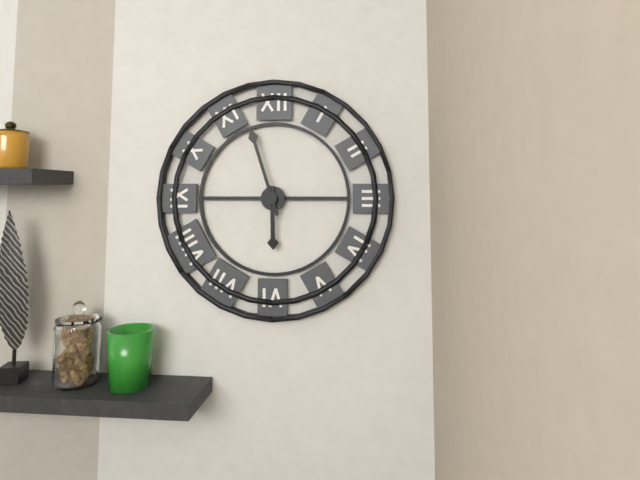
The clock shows 5.57
